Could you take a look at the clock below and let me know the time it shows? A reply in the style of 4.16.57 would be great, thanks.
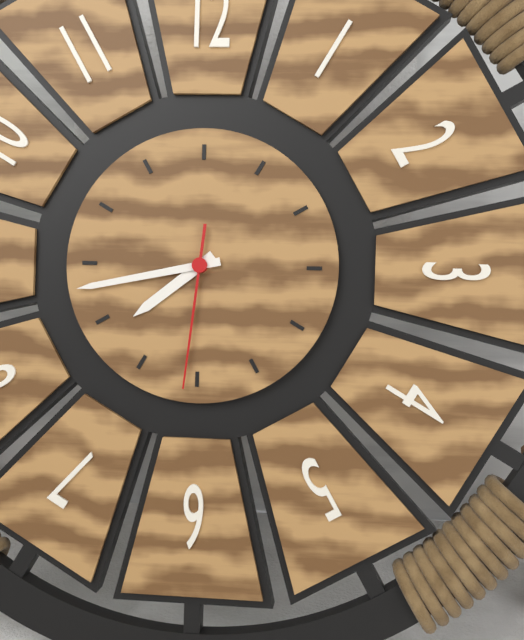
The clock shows 7.43.31
